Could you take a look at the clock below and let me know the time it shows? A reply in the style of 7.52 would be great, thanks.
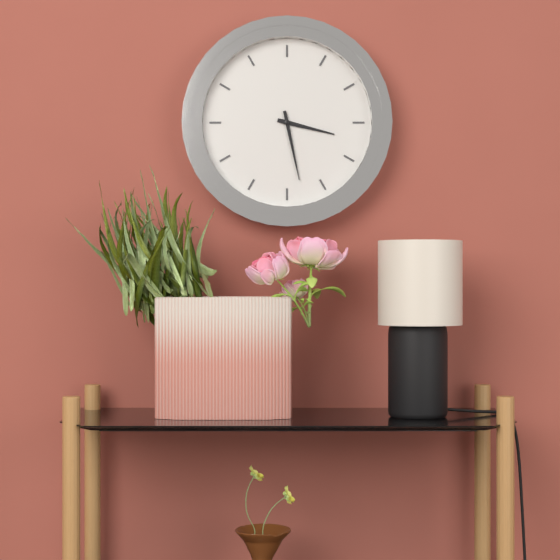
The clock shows 3.28
